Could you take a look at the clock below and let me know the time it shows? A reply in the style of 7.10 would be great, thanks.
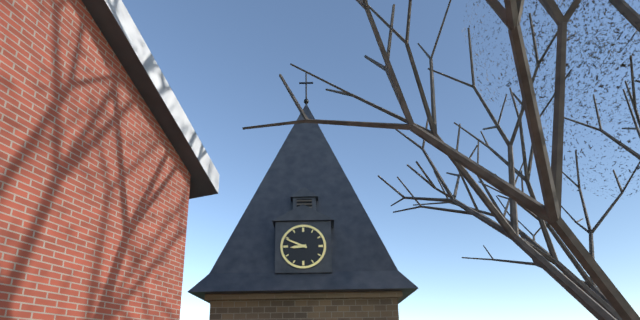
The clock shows 8.49
